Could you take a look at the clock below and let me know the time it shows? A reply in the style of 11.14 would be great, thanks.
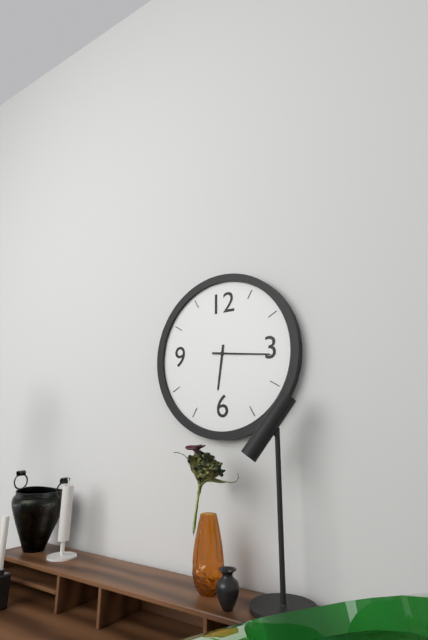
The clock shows 6.16
